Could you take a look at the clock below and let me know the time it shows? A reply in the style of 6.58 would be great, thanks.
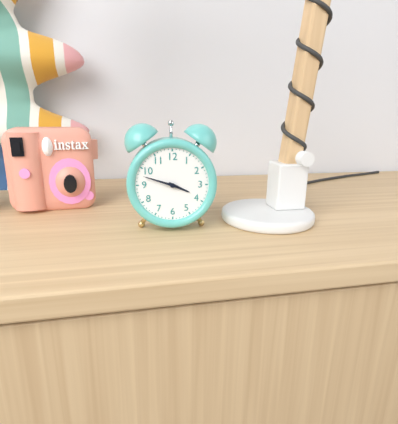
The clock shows 3.48
